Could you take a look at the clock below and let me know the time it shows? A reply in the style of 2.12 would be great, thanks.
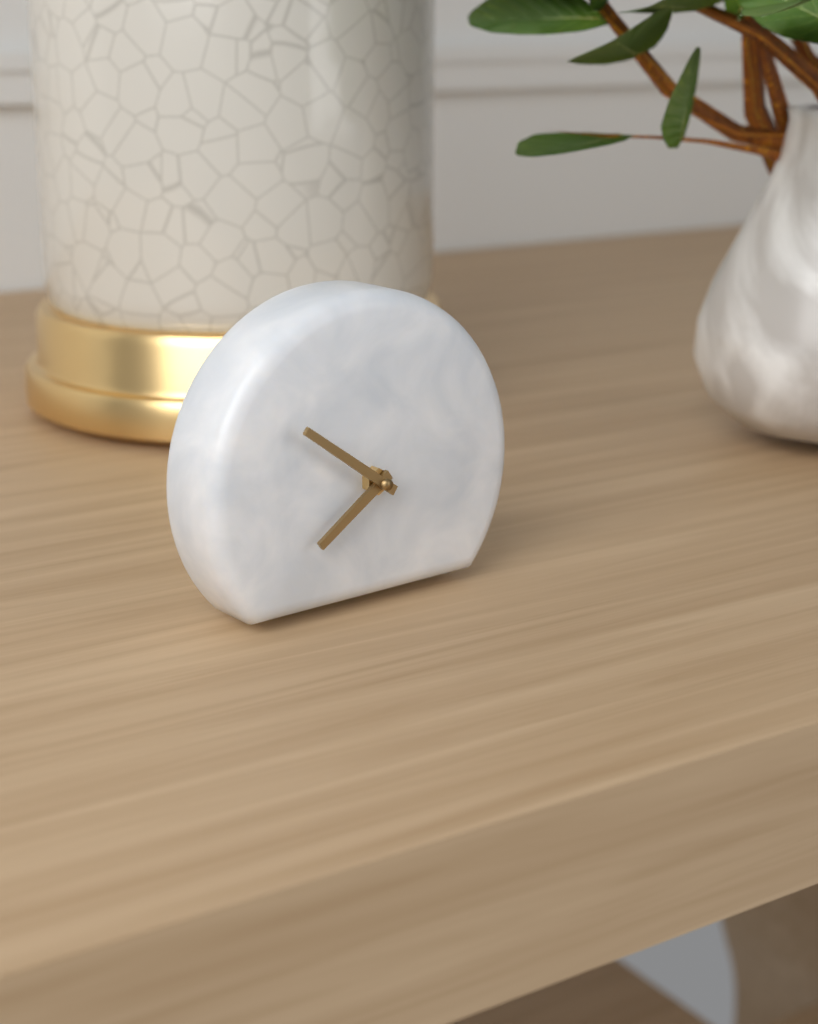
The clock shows 7.51
